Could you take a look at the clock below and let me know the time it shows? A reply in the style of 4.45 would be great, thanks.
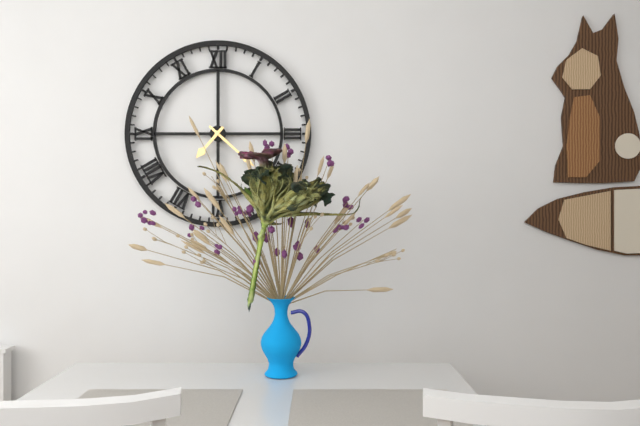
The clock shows 7.22
